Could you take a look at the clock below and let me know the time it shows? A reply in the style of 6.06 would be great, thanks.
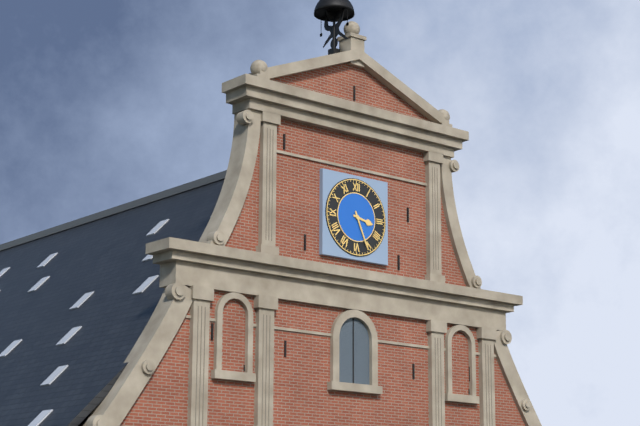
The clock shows 3.26
